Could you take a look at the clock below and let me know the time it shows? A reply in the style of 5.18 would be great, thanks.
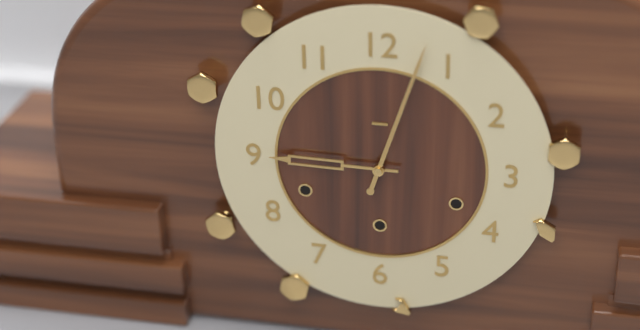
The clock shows 9.03
